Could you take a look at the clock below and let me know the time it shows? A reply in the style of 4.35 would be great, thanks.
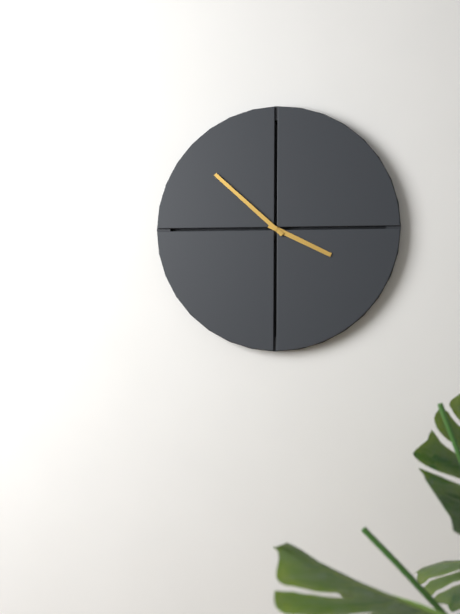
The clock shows 3.52
